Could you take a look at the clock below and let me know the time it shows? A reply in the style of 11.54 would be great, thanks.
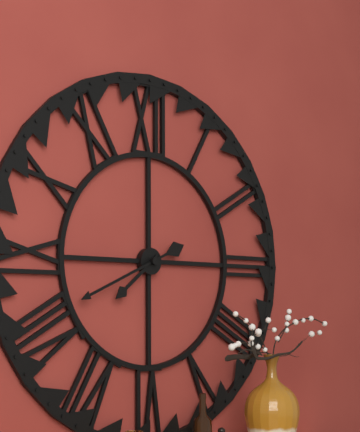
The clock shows 7.41
